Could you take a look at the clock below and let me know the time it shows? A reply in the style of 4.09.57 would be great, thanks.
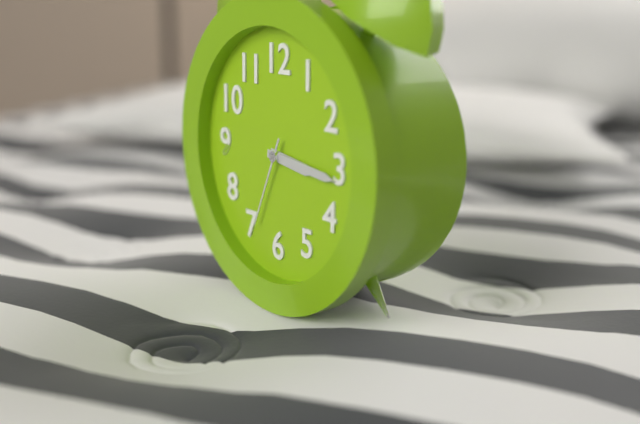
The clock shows 3.16.34
